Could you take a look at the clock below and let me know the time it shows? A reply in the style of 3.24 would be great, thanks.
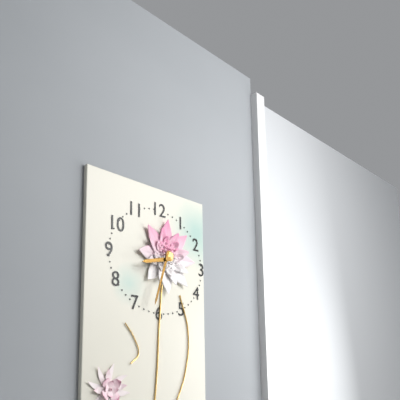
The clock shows 8.33
